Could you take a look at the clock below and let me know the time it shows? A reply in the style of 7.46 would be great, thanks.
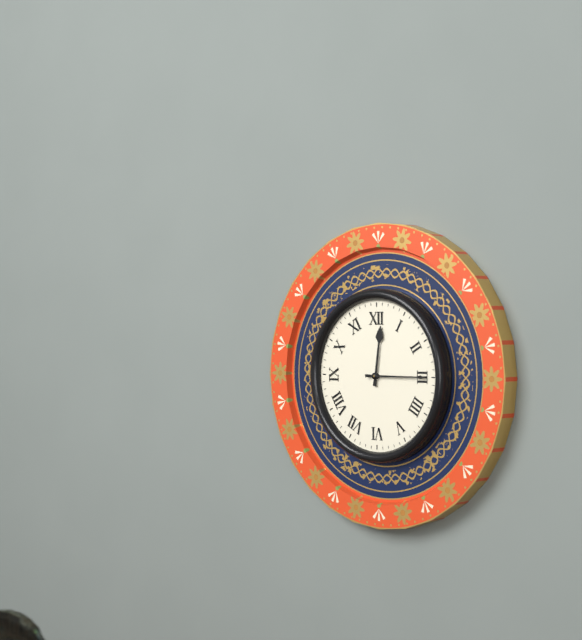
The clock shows 12.15
